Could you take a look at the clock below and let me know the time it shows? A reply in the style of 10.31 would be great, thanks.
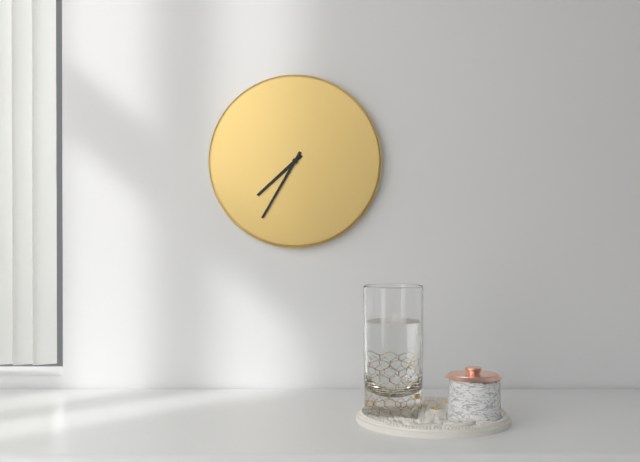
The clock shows 7.35
